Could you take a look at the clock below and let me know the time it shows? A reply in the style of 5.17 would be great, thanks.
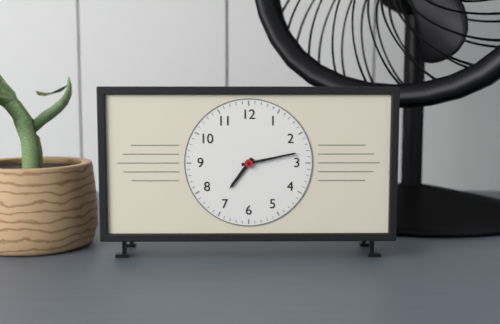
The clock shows 7.13
